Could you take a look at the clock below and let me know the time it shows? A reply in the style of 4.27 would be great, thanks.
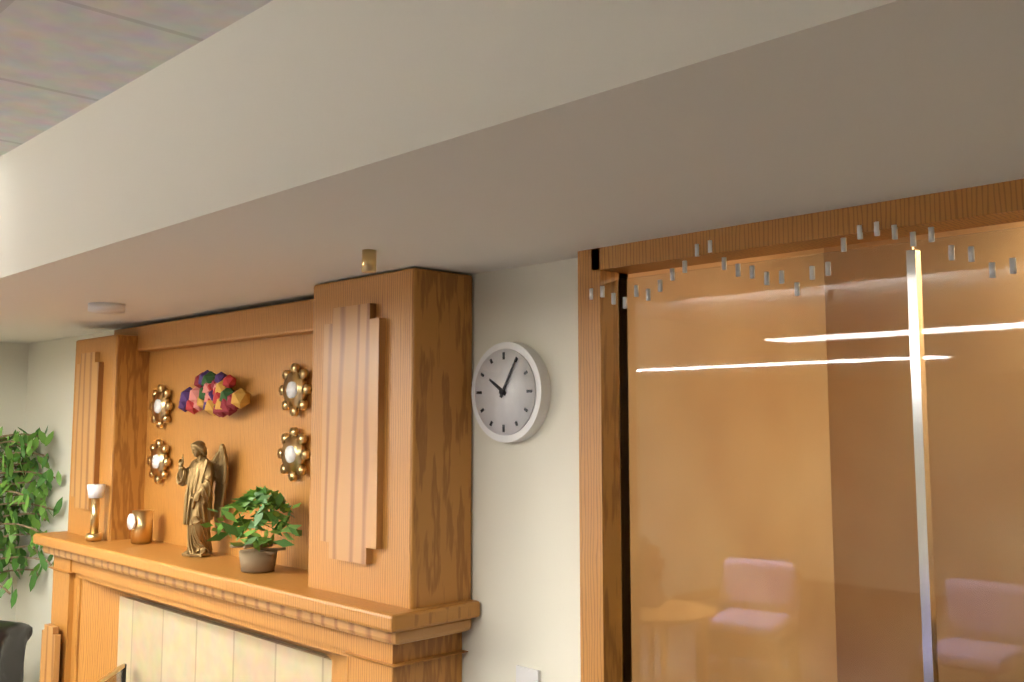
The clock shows 10.05
